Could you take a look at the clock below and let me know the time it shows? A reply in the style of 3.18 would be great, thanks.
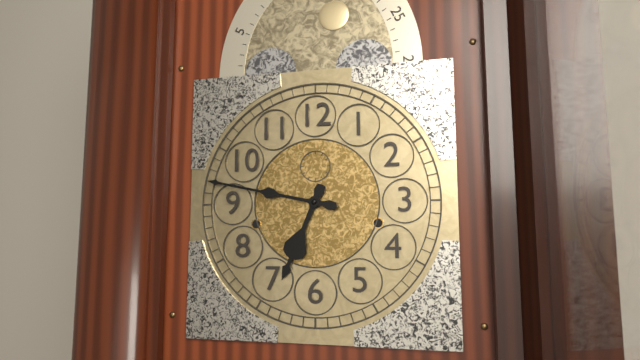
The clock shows 6.47
